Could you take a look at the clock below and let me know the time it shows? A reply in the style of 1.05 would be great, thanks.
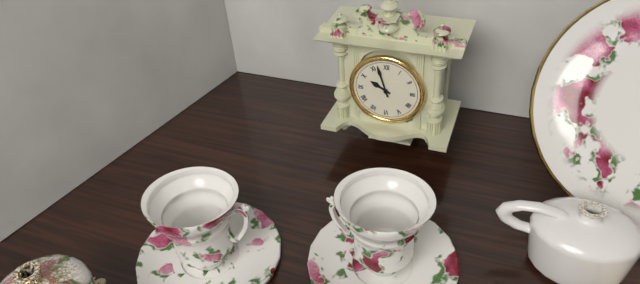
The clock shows 9.57
